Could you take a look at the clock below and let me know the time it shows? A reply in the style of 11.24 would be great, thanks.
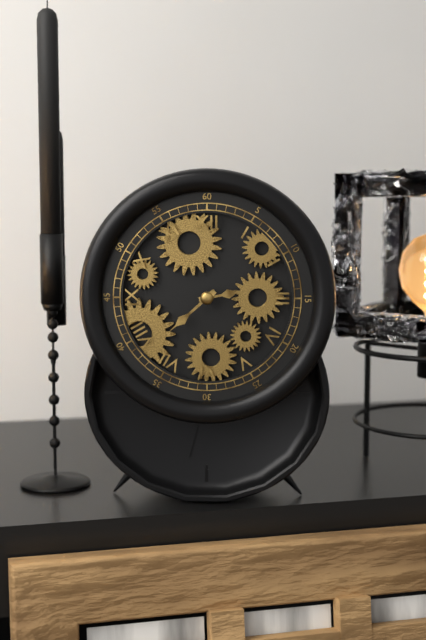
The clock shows 2.38
